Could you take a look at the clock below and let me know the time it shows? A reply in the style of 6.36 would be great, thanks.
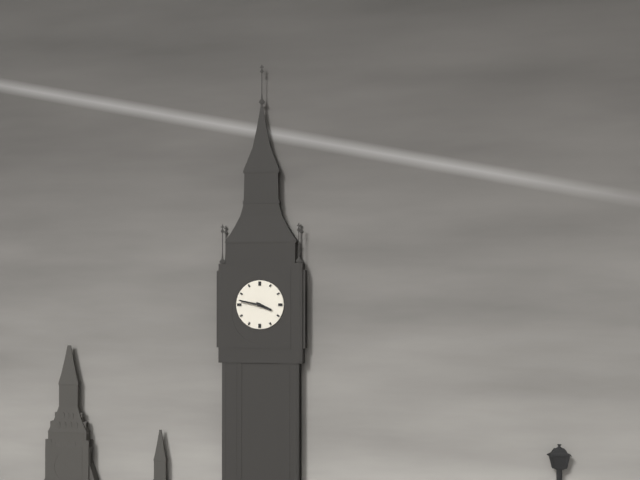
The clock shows 3.47
